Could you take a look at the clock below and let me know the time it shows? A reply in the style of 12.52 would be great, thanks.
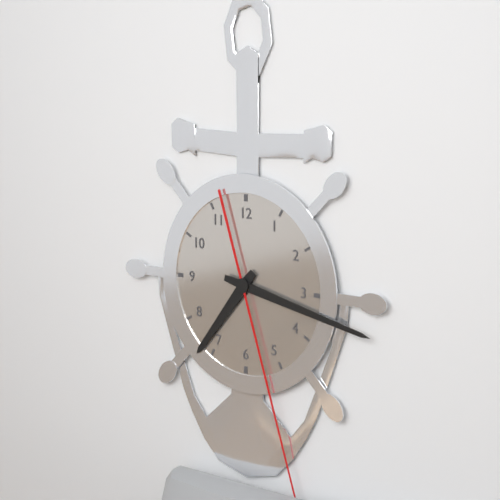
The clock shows 7.17
